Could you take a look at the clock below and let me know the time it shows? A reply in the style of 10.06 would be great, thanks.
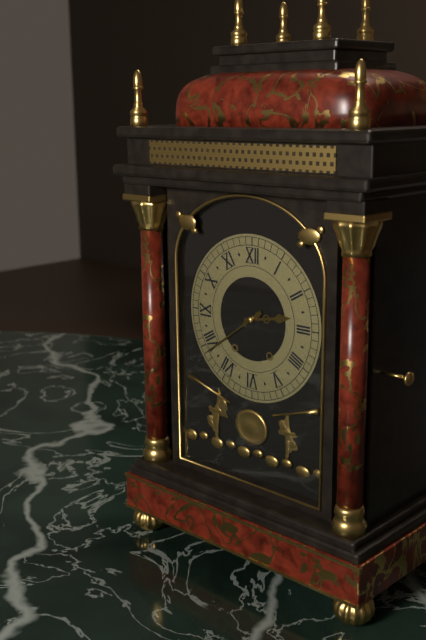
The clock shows 2.39
